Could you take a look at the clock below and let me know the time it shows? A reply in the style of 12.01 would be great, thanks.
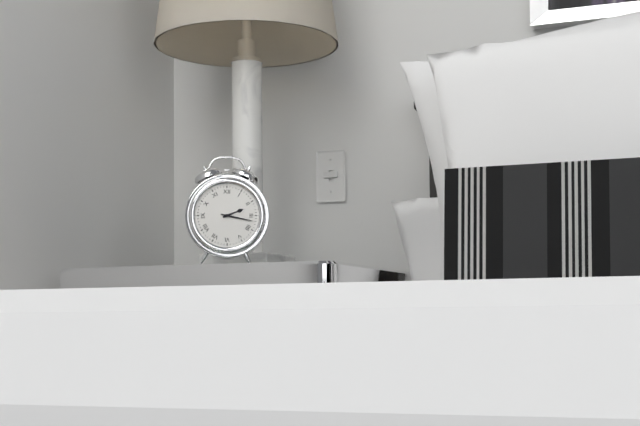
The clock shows 2.17
